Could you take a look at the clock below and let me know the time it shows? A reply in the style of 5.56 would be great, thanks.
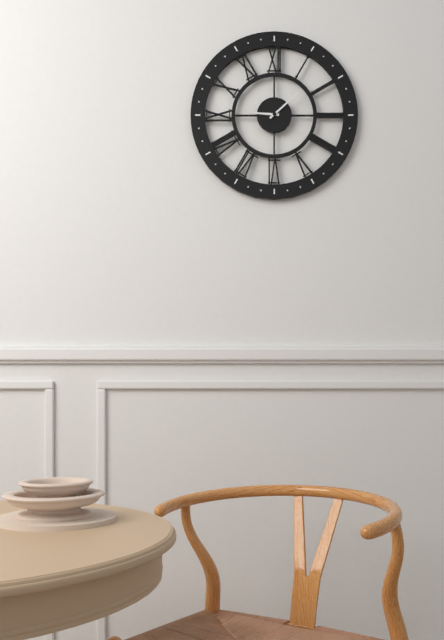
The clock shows 9.08
